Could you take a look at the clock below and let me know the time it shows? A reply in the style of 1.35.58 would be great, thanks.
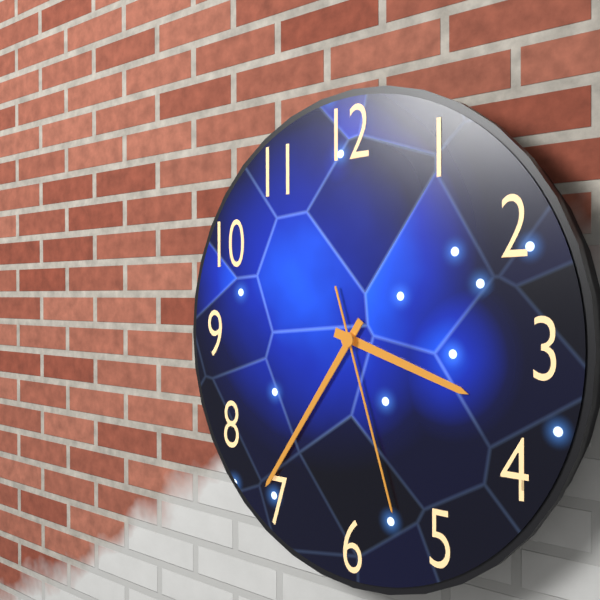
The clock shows 3.36.27
